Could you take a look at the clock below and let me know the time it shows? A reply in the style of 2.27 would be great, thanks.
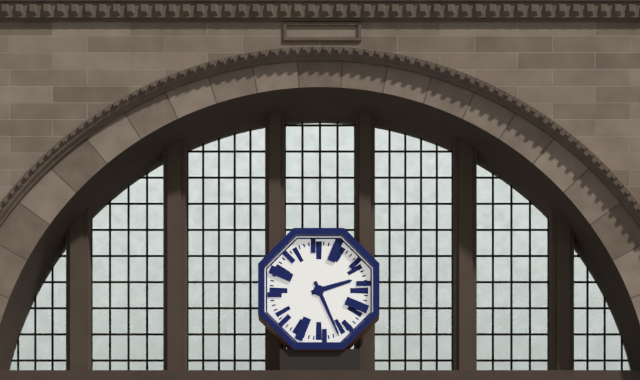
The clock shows 2.26
